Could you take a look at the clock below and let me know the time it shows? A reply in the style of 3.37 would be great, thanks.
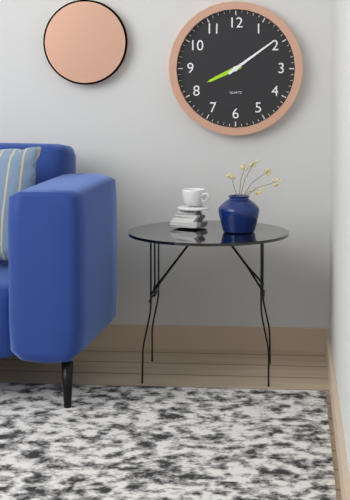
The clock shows 8.09
